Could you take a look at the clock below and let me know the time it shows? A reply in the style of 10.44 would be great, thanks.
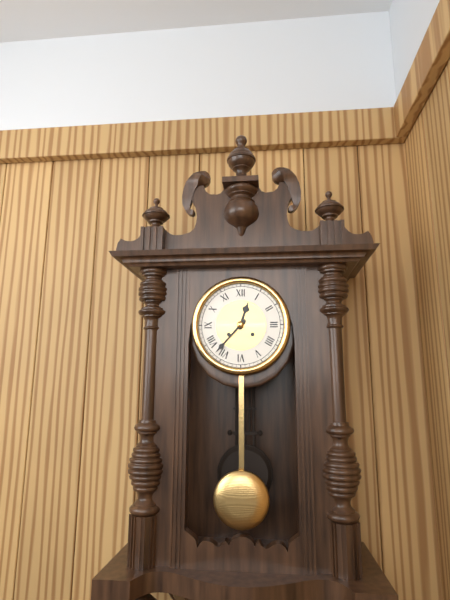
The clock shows 12.37
